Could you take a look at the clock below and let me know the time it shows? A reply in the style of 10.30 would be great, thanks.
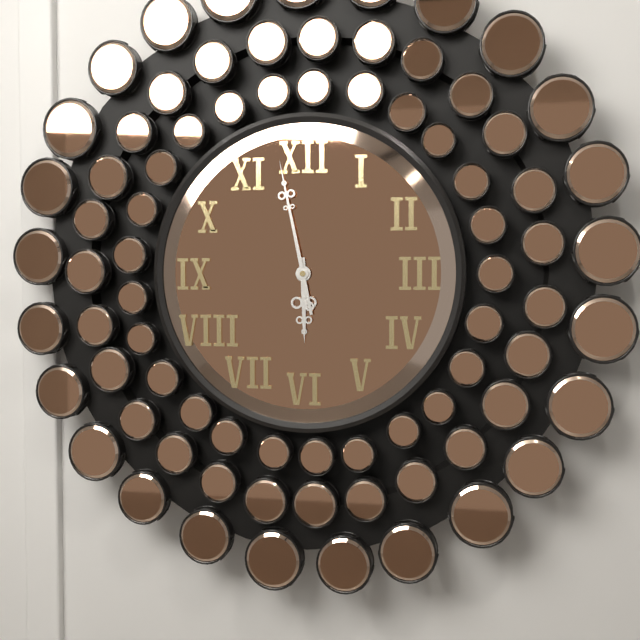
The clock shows 5.58
